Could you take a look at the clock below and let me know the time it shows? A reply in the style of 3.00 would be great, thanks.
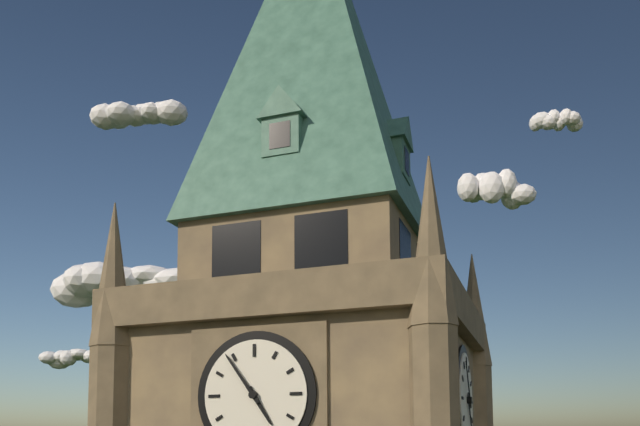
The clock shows 4.54
